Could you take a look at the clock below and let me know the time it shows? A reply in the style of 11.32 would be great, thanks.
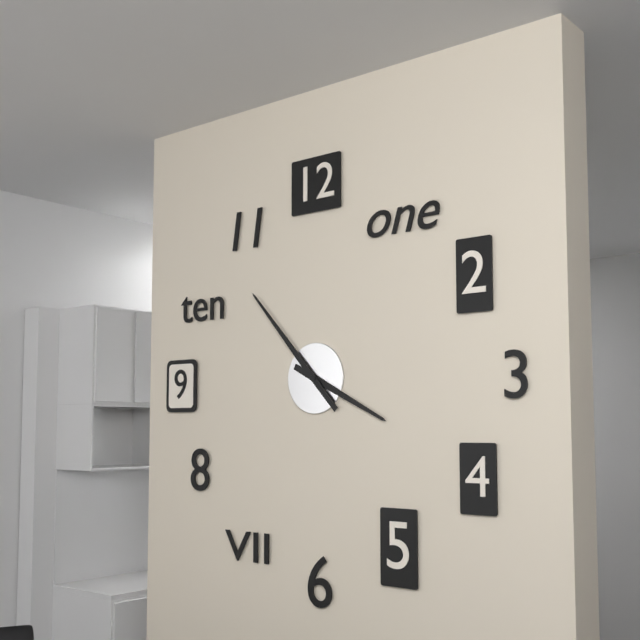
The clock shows 3.53
